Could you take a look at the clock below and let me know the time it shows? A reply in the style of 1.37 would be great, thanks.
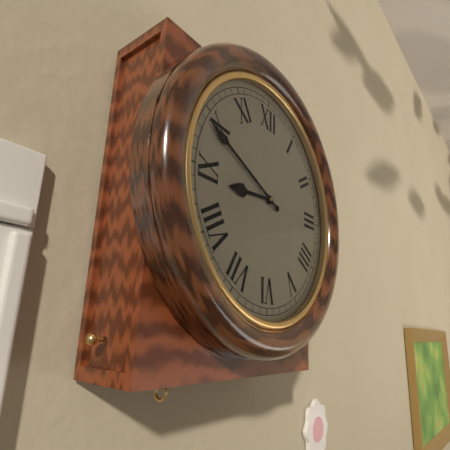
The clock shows 8.49
